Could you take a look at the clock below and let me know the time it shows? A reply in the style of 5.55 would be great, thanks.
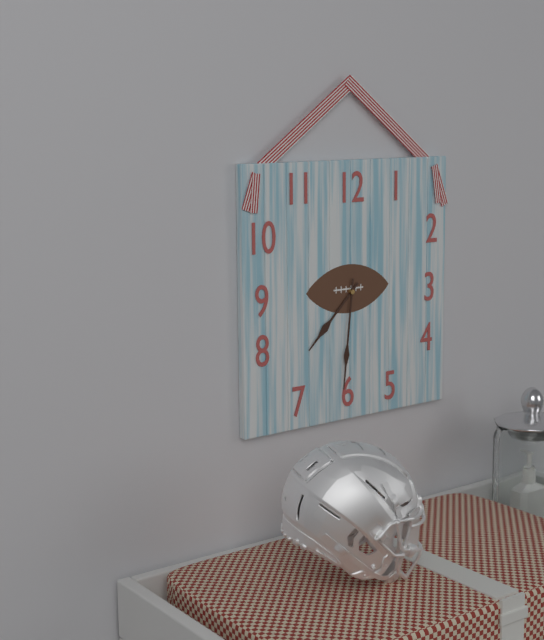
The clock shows 7.31
